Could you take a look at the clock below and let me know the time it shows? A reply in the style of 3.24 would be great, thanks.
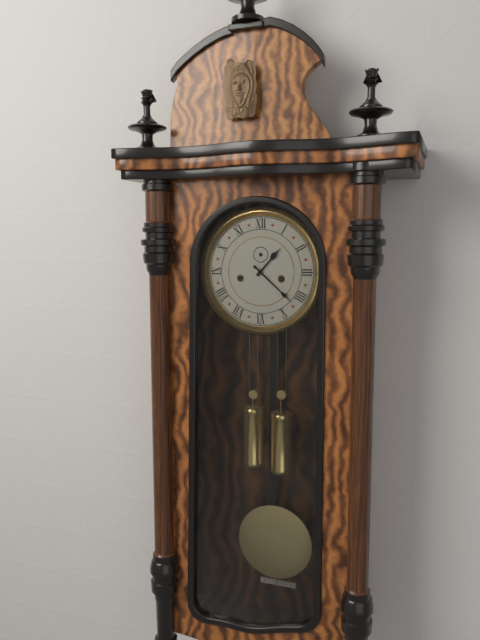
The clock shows 1.22
